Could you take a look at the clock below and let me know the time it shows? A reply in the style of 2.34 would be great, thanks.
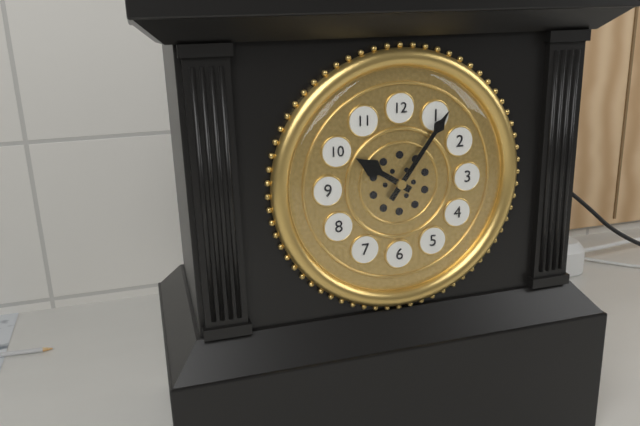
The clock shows 10.06
